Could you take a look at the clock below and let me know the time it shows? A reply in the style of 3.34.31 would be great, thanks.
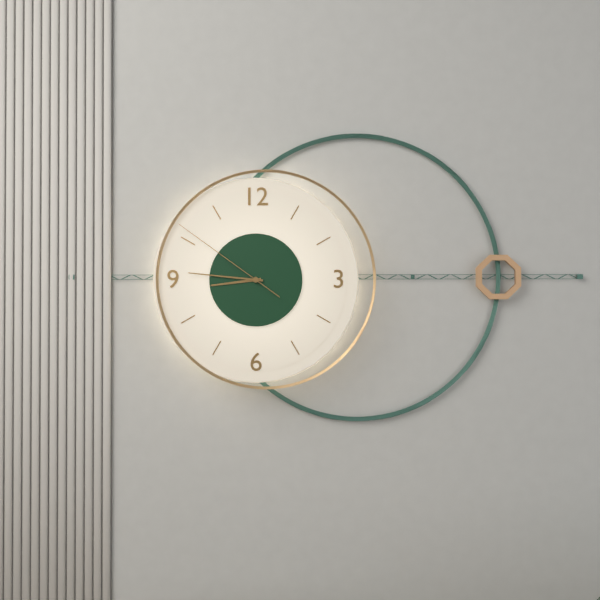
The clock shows 8.46.51
